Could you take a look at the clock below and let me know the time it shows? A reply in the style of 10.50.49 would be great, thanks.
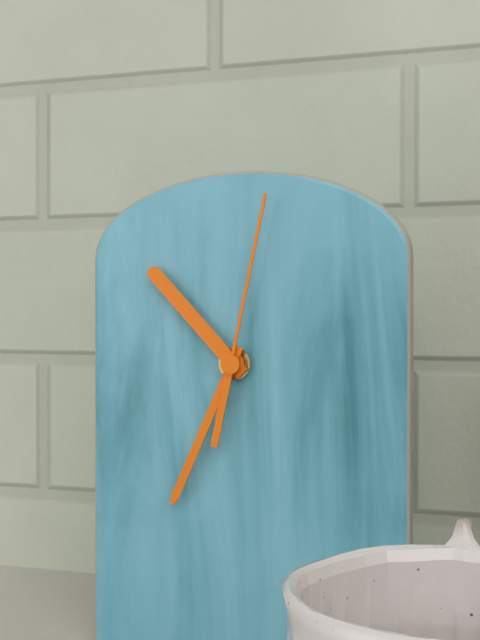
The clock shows 10.34.02
